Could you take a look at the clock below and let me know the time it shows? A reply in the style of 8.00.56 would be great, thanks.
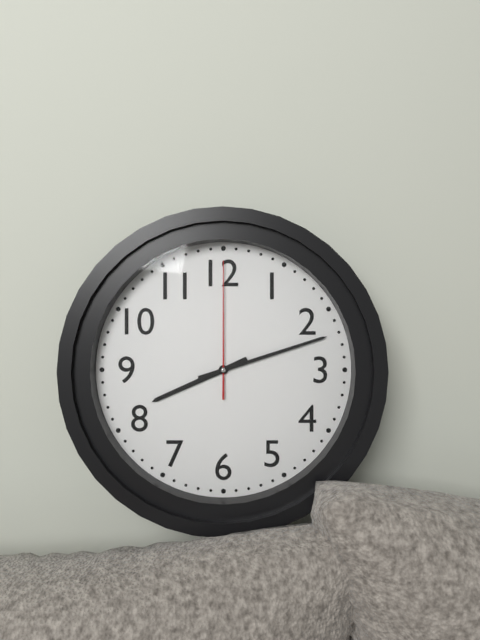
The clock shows 8.12.00
